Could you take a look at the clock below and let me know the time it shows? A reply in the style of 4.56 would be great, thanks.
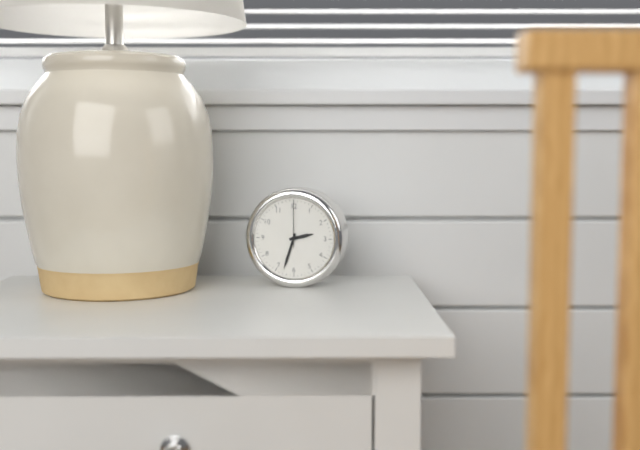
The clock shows 2.33
